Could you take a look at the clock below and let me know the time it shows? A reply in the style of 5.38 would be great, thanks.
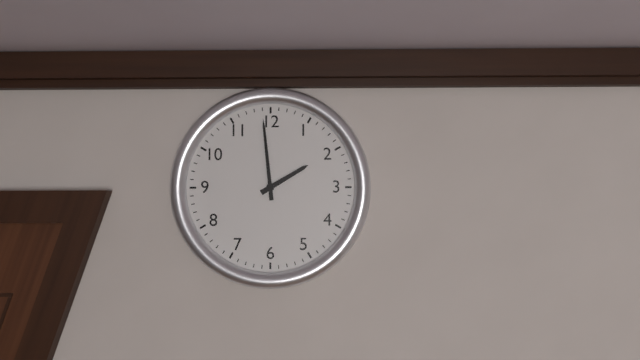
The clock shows 1.59
